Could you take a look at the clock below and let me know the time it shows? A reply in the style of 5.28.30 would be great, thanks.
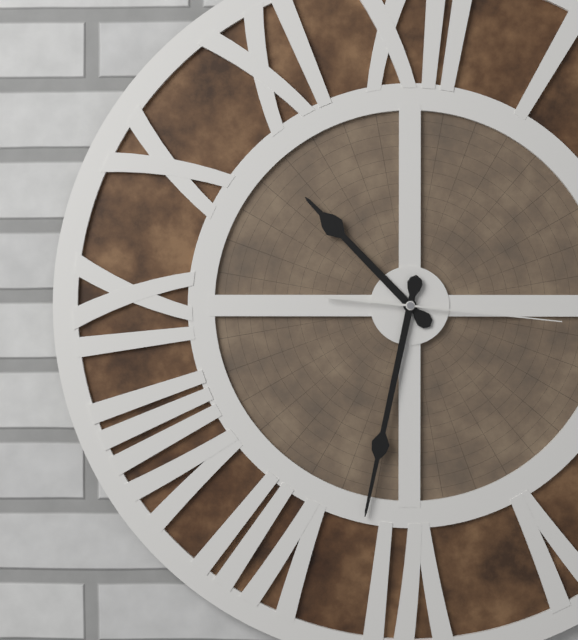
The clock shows 10.32.16
